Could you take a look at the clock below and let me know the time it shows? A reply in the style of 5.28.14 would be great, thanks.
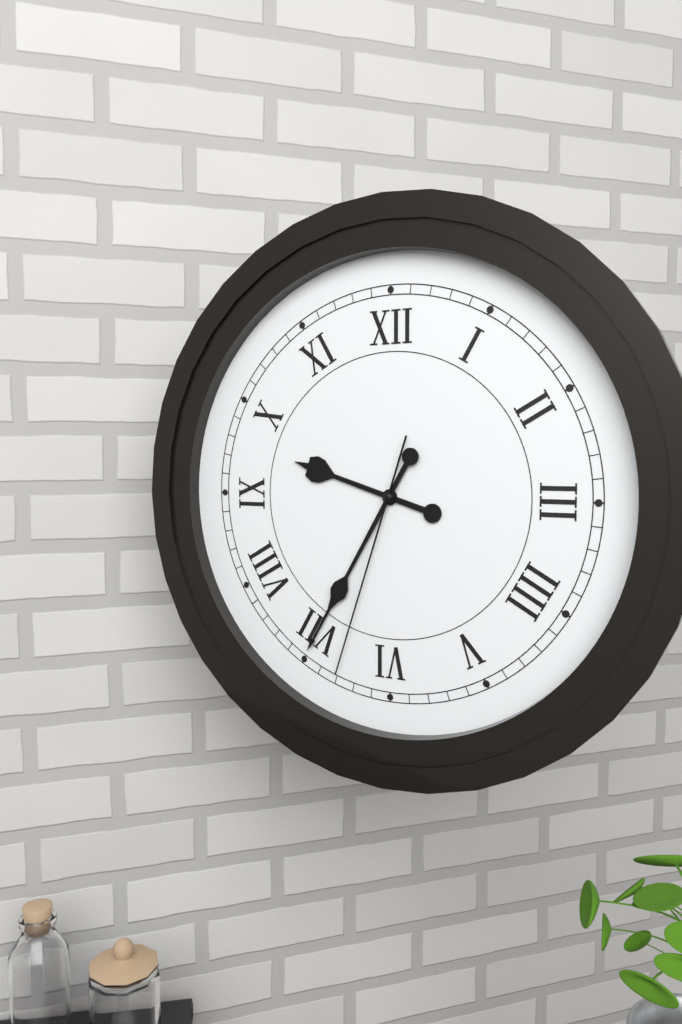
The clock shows 9.35.33
